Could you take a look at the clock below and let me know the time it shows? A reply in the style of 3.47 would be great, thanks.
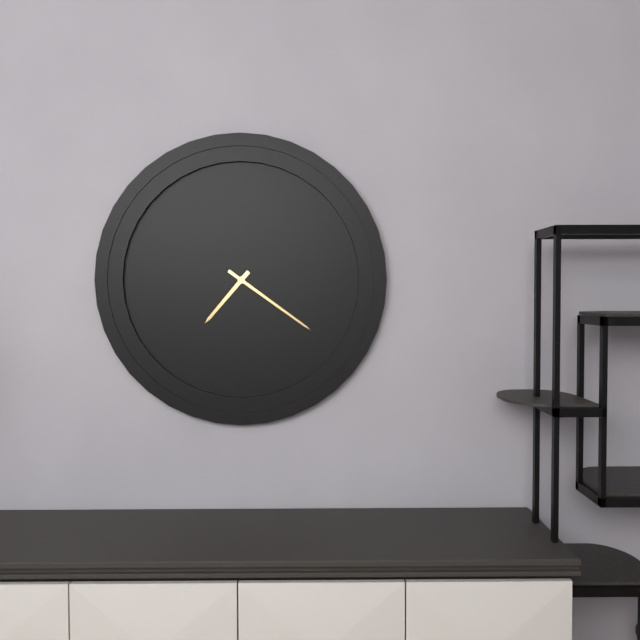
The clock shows 7.21
